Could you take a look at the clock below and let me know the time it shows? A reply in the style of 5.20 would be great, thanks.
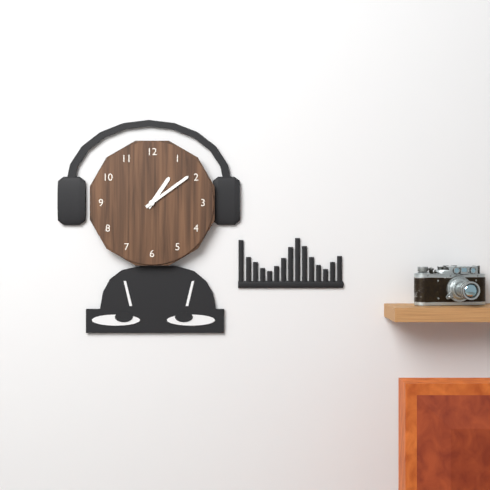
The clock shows 1.09
